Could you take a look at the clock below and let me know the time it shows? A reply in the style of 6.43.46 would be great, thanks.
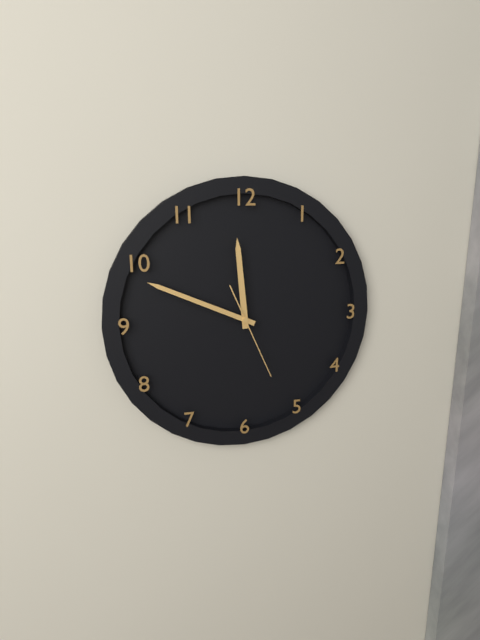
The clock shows 11.49.26
